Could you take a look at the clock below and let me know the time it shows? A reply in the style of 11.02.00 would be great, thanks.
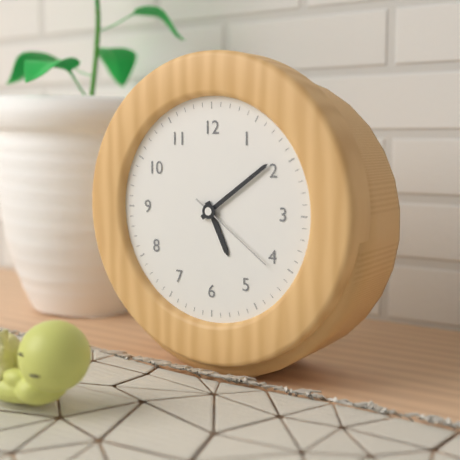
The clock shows 5.09.21
